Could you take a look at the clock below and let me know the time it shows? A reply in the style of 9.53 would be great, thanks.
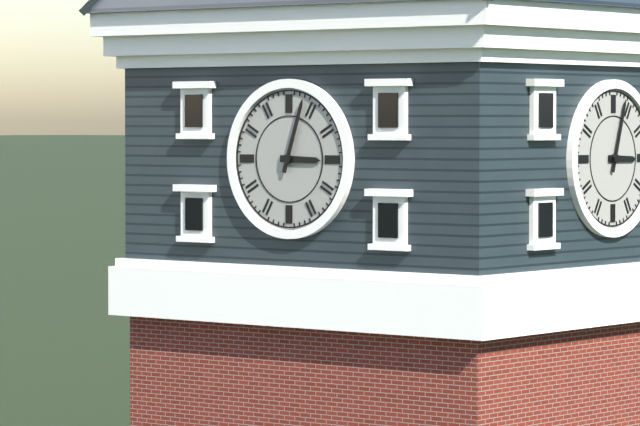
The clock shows 3.03
